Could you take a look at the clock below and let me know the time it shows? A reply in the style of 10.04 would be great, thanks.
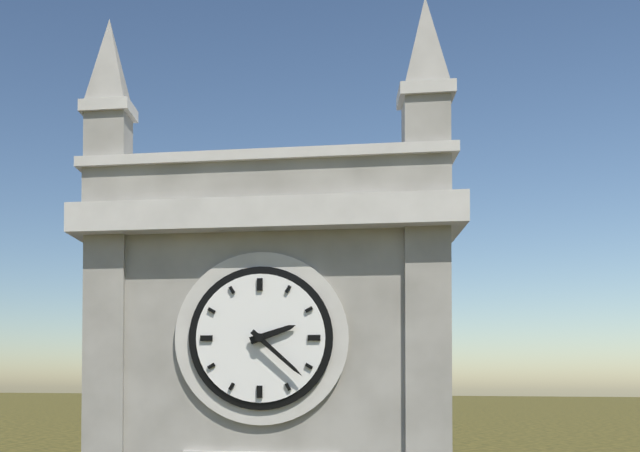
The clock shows 2.22
